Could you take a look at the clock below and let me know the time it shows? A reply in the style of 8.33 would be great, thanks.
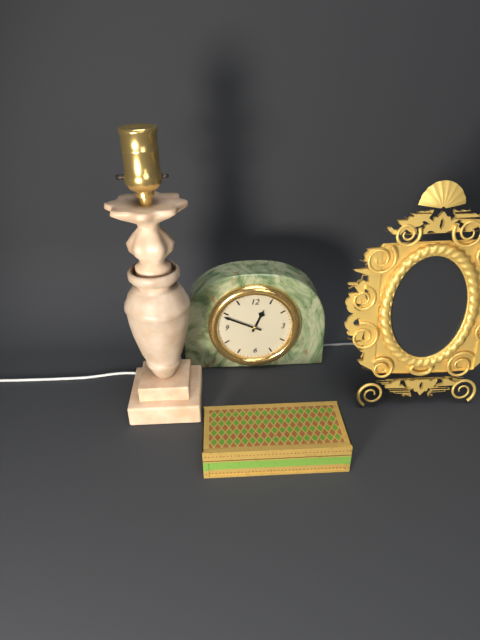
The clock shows 12.49
